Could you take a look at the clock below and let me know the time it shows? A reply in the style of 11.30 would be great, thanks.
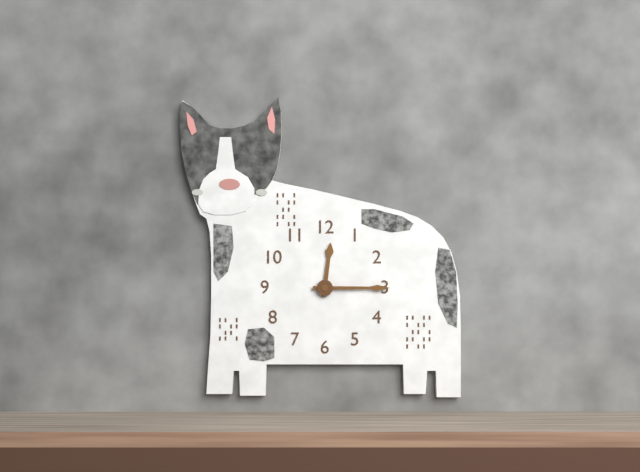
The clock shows 12.15
